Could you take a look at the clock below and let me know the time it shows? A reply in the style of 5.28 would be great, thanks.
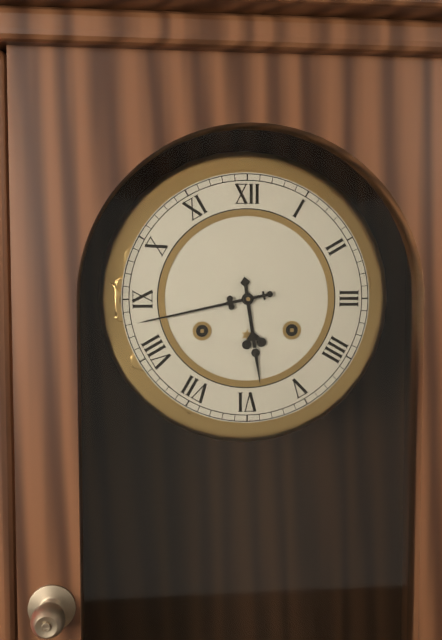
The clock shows 5.43
